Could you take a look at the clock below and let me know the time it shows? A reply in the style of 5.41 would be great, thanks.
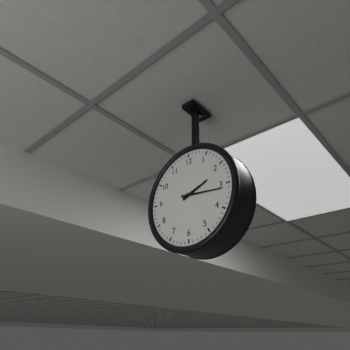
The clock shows 2.16
